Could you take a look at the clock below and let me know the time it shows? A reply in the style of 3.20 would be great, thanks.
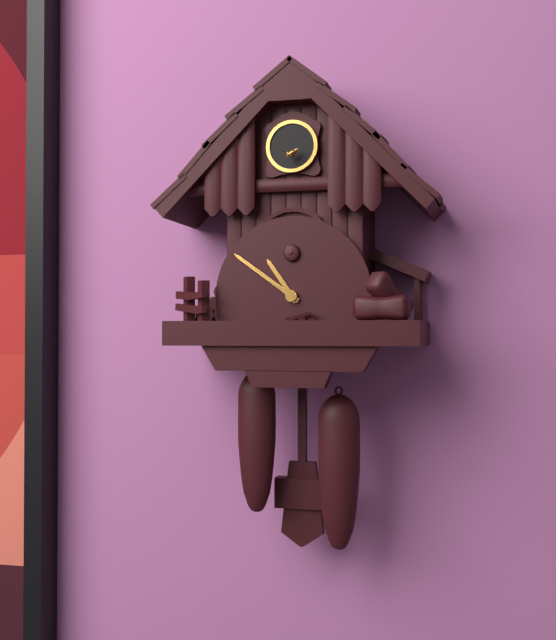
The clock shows 10.51
